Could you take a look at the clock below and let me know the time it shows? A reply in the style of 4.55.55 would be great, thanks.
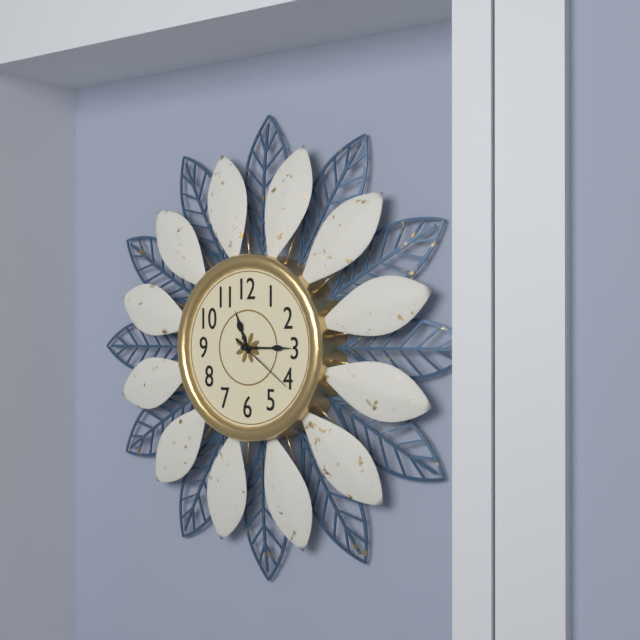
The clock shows 11.15.21
